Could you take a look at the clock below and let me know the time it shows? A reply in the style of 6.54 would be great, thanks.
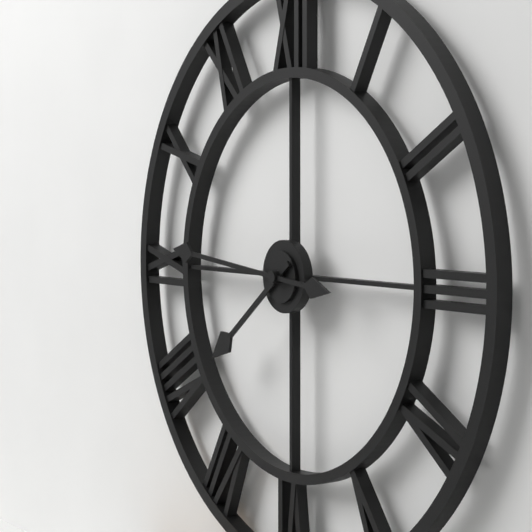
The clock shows 7.46
